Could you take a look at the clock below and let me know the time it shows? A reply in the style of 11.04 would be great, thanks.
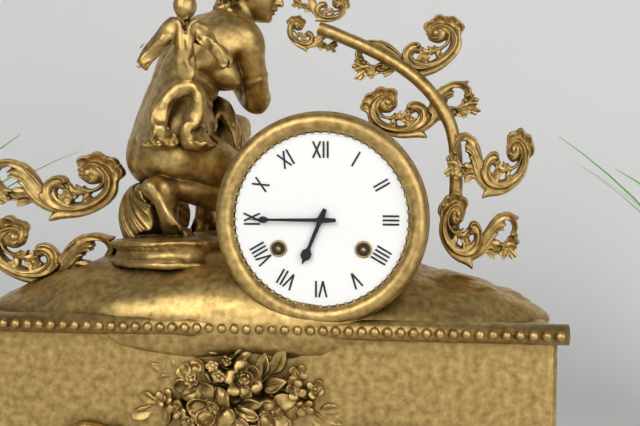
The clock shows 6.45
